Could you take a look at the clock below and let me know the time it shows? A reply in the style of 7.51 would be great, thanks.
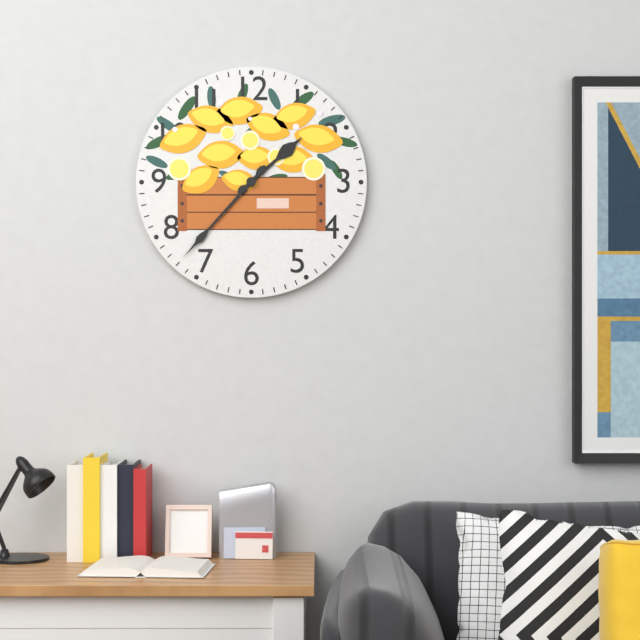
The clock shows 1.37
